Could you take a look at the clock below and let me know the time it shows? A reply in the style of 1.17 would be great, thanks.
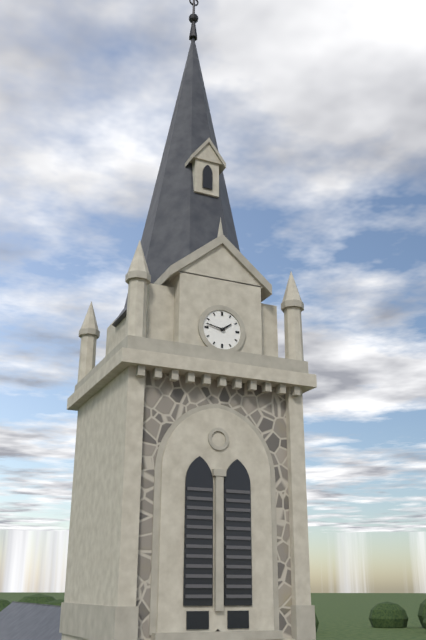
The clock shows 1.47
